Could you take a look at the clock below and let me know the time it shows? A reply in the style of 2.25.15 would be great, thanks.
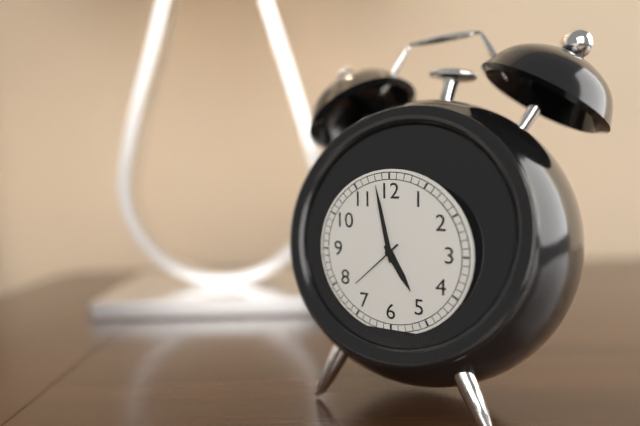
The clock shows 4.58.38
